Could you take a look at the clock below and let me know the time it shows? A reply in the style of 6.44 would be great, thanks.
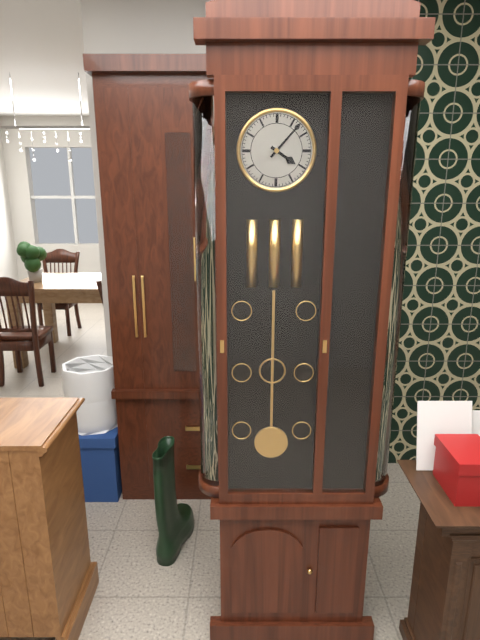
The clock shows 4.07
